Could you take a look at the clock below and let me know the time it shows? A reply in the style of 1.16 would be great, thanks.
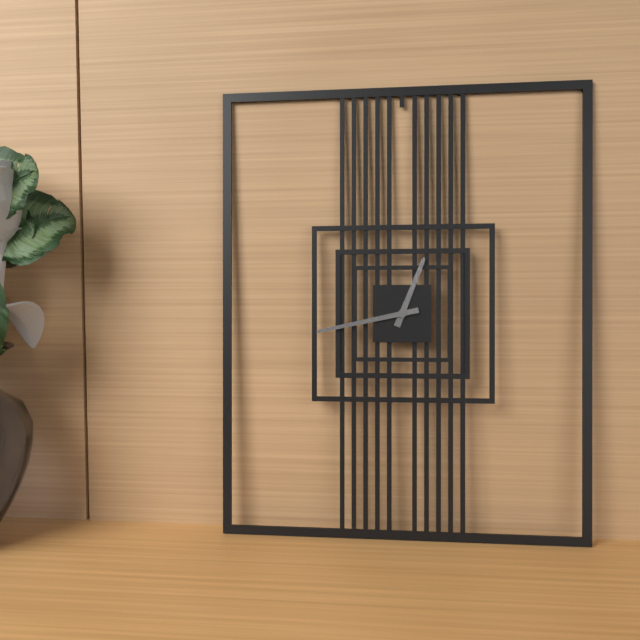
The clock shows 12.43
